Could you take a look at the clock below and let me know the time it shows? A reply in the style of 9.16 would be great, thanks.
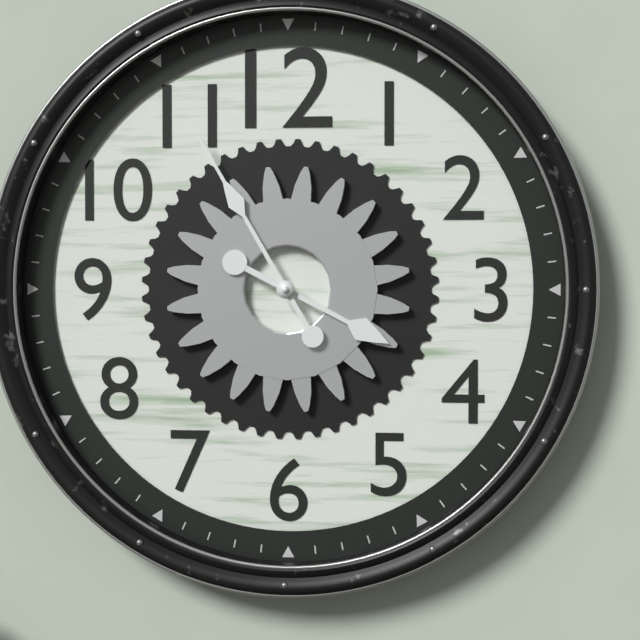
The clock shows 3.55
